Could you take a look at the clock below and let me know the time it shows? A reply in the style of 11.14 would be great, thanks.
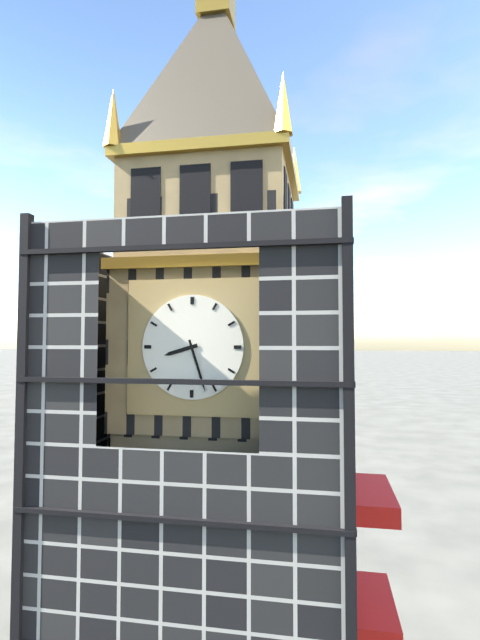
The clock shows 8.27
